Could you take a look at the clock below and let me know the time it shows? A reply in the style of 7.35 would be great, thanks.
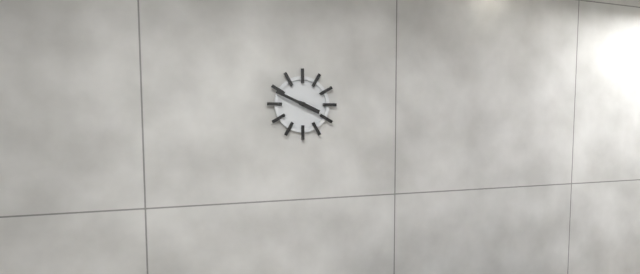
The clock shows 3.49
